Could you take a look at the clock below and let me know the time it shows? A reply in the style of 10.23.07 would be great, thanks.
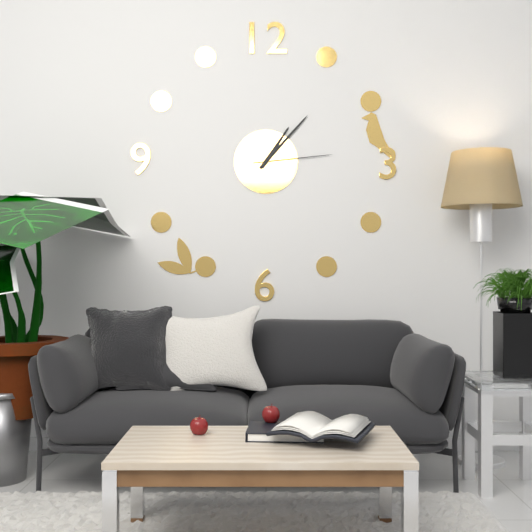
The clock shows 1.07.14
